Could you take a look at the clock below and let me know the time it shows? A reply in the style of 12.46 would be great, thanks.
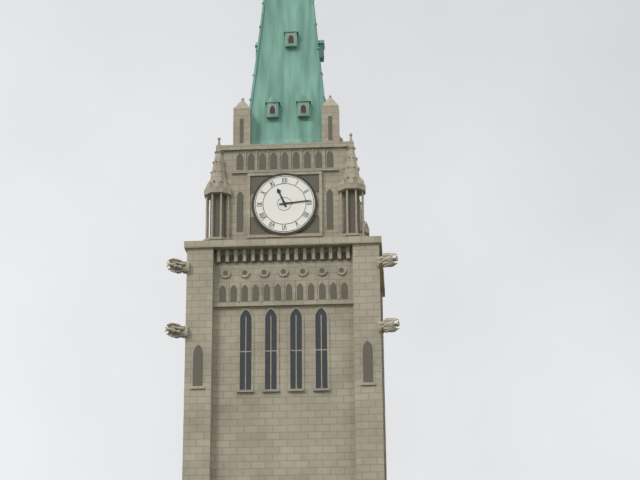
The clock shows 11.14
